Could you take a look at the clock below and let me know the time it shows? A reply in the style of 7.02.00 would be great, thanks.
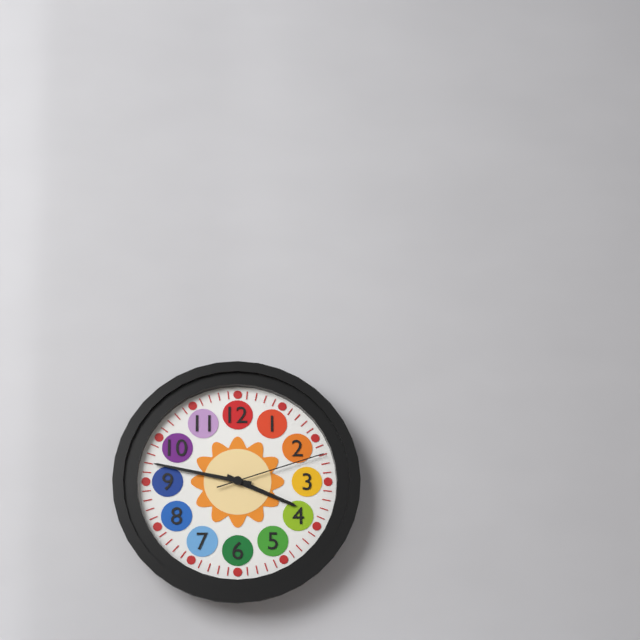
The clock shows 3.47.12
